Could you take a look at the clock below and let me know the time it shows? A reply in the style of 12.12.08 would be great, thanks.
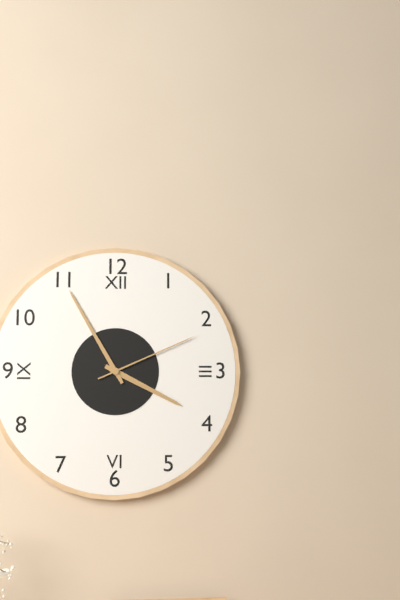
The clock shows 3.55.11
